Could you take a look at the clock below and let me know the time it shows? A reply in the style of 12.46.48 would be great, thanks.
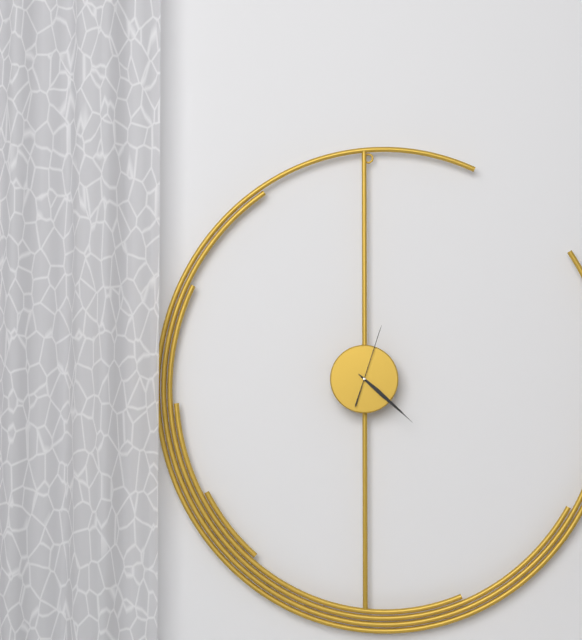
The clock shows 4.22.03
